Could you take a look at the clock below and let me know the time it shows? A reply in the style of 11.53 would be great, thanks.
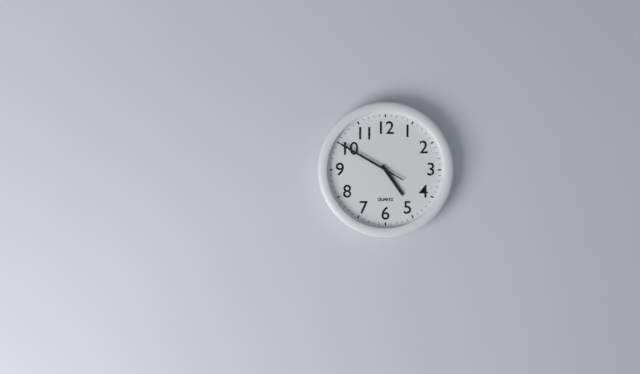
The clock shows 4.50
